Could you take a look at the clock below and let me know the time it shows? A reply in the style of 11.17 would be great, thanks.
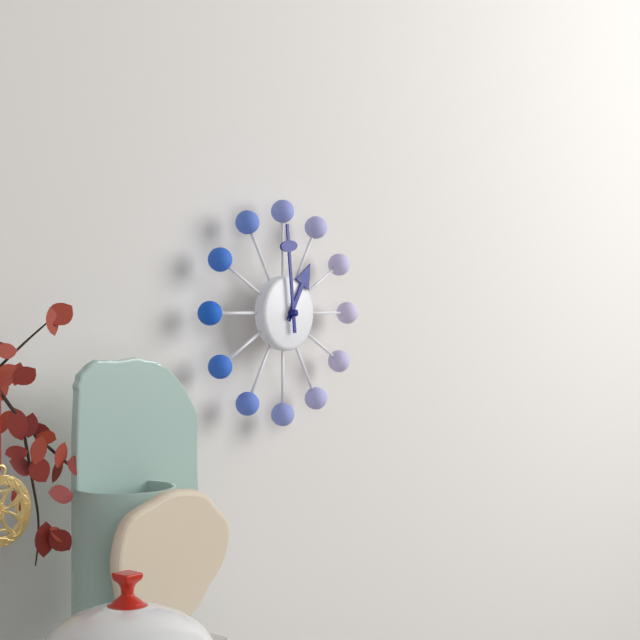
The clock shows 12.59
